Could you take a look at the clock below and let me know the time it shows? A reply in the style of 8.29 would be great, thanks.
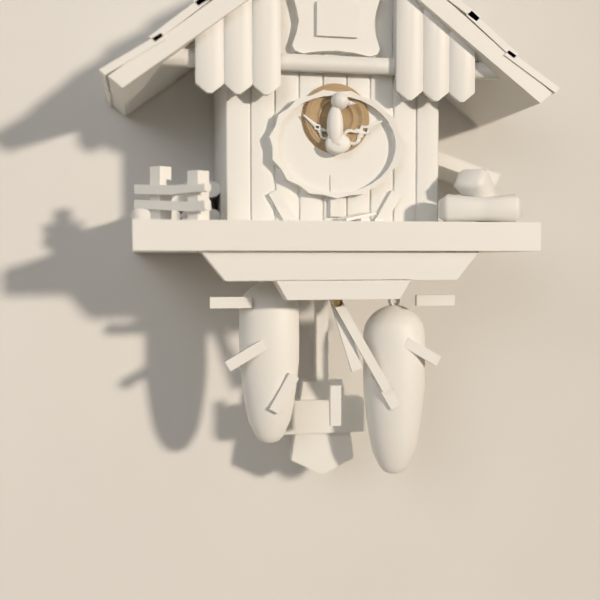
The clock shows 5.25
